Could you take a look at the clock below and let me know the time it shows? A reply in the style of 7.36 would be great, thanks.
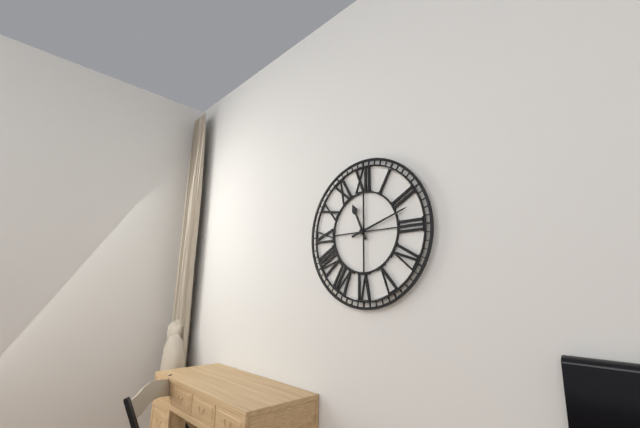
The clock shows 11.12
